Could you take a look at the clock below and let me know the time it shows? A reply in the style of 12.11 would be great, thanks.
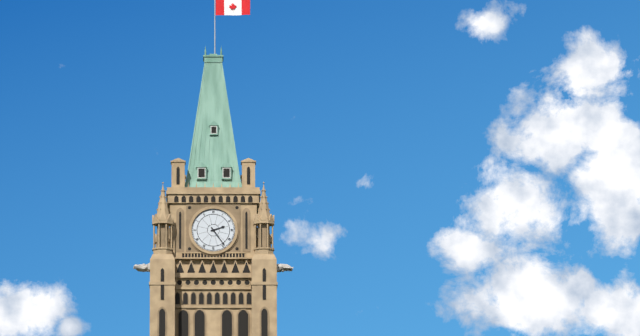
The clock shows 2.24
